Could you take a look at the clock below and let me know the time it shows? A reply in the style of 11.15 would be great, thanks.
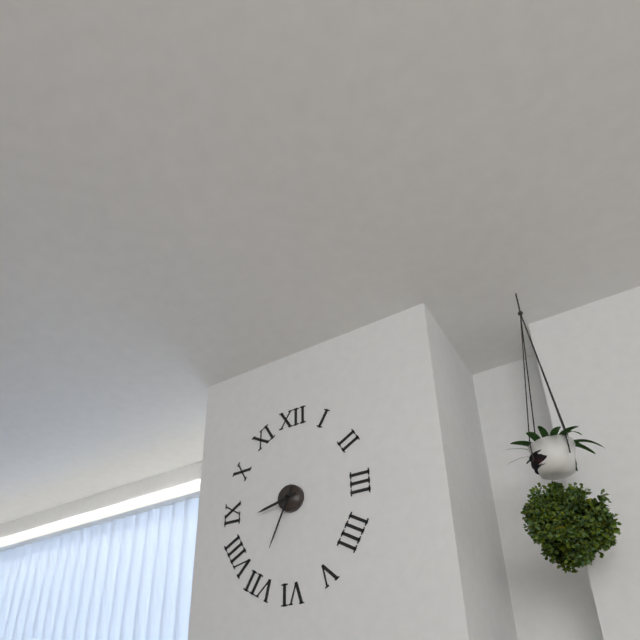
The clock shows 8.34
